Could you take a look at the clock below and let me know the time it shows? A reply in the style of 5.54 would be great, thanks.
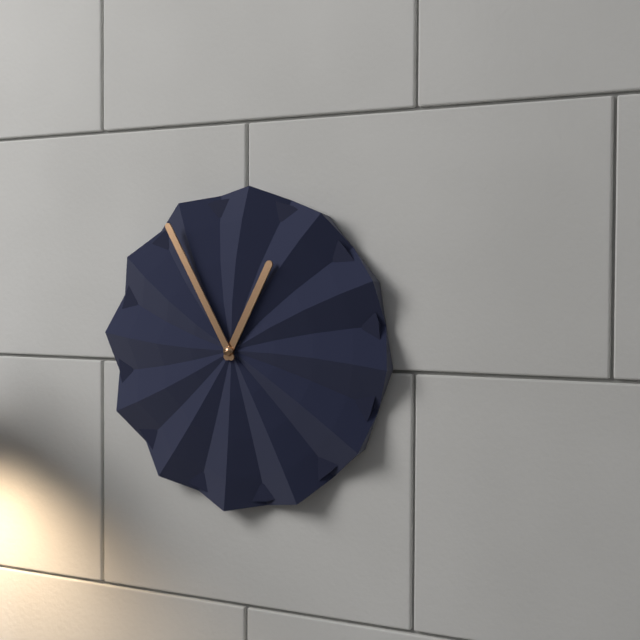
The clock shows 12.55
